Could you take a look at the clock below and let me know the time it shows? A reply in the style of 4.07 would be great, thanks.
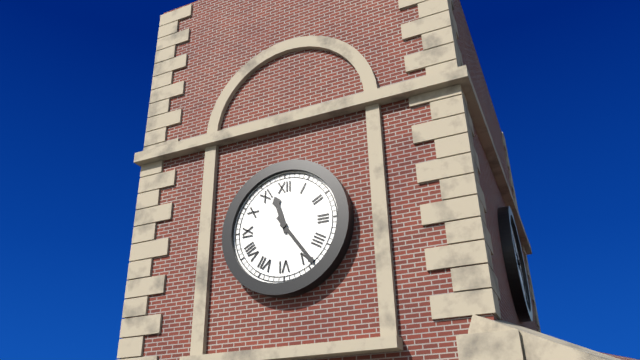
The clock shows 11.24
